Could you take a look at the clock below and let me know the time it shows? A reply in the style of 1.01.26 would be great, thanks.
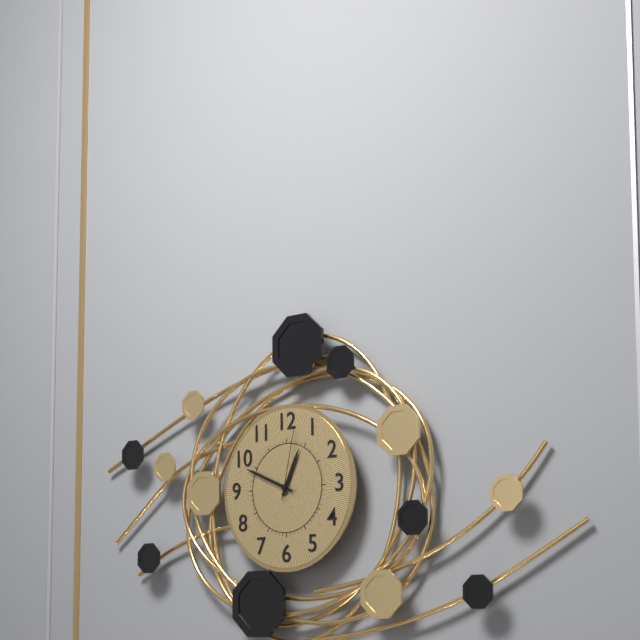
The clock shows 12.49.02
